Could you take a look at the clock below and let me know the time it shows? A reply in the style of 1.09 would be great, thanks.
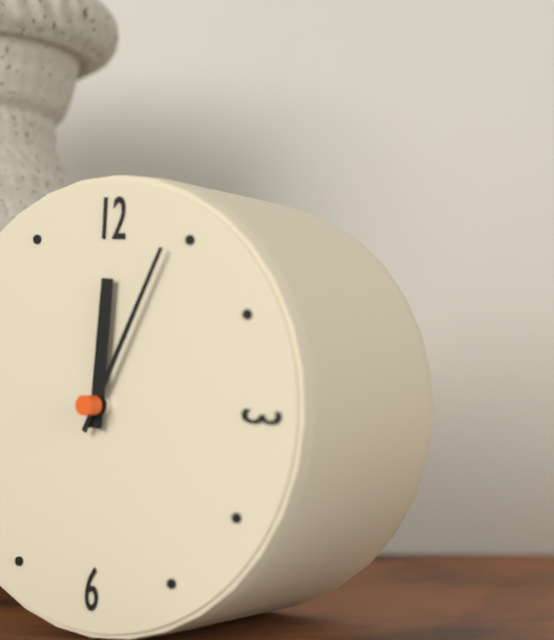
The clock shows 12.04
